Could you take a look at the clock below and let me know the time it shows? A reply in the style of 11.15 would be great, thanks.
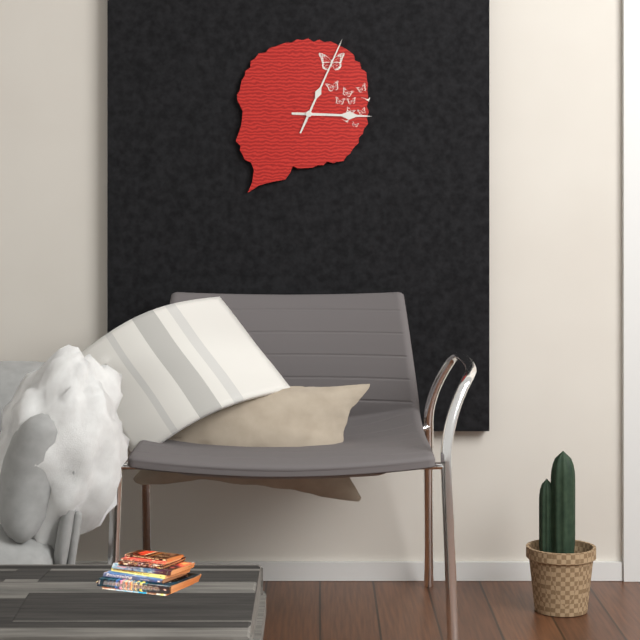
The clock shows 3.04
